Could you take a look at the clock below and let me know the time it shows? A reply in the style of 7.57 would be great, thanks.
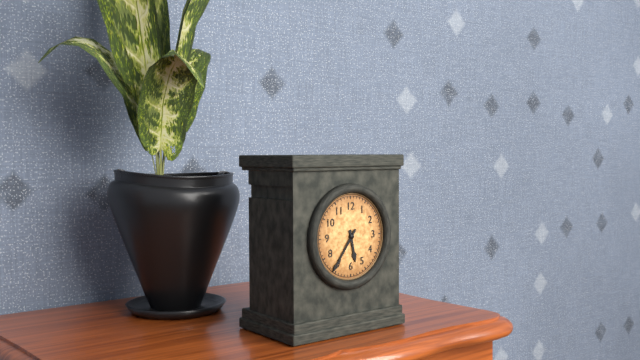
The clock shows 5.36
